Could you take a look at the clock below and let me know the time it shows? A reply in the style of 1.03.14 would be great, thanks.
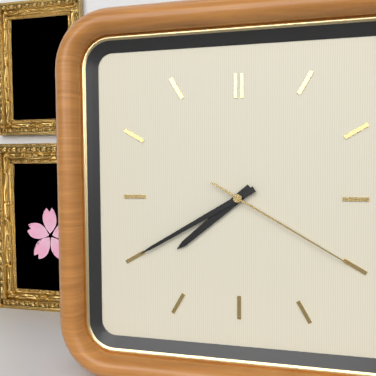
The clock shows 7.40.20
